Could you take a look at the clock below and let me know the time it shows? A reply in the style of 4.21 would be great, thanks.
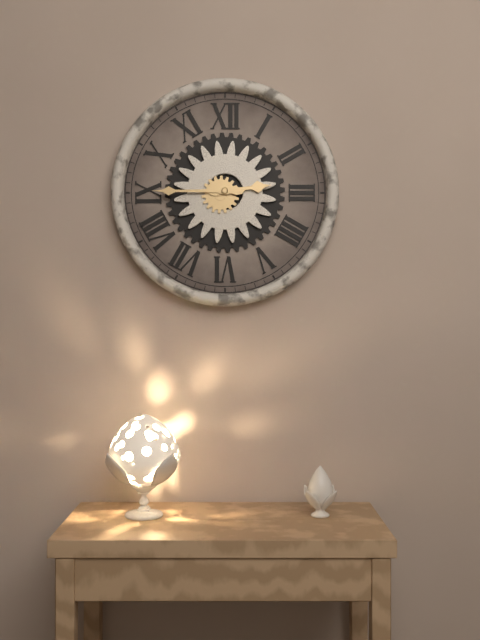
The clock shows 2.45
